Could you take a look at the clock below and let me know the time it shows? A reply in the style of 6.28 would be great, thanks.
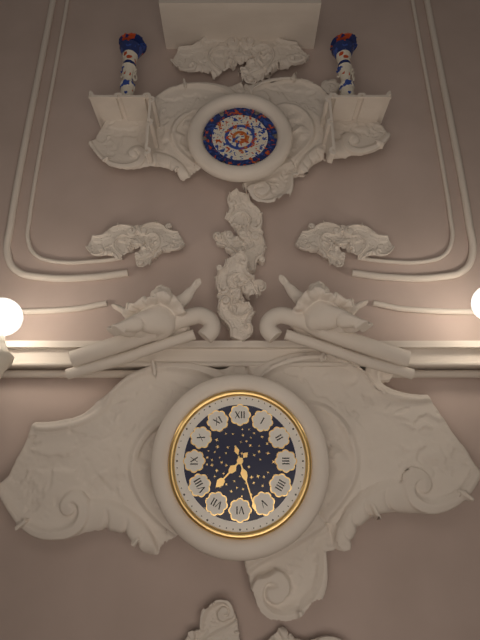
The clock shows 7.27
